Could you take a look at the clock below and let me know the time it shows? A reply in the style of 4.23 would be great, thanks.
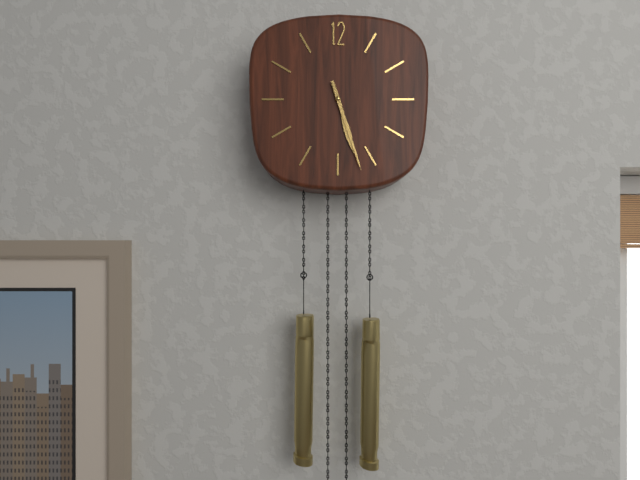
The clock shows 5.27
